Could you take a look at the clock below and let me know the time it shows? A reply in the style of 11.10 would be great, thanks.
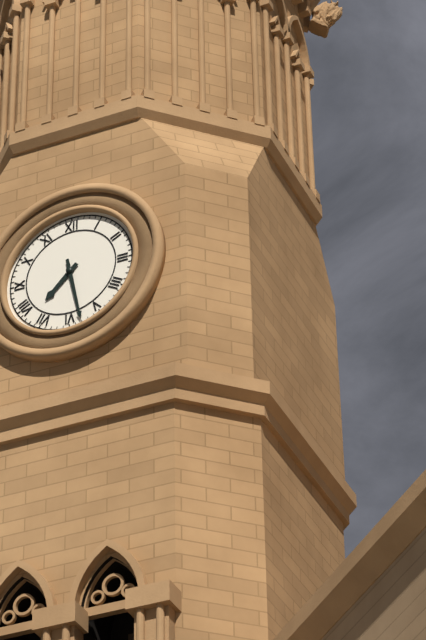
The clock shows 7.28
